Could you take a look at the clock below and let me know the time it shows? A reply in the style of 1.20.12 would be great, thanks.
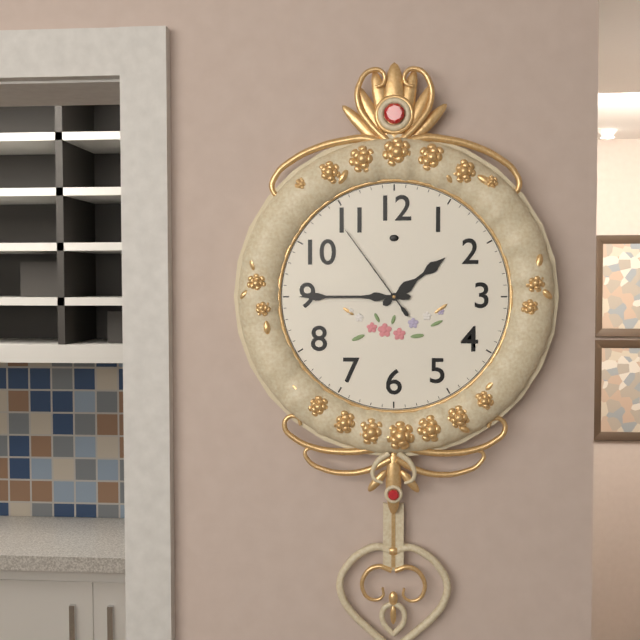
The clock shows 1.45.54
